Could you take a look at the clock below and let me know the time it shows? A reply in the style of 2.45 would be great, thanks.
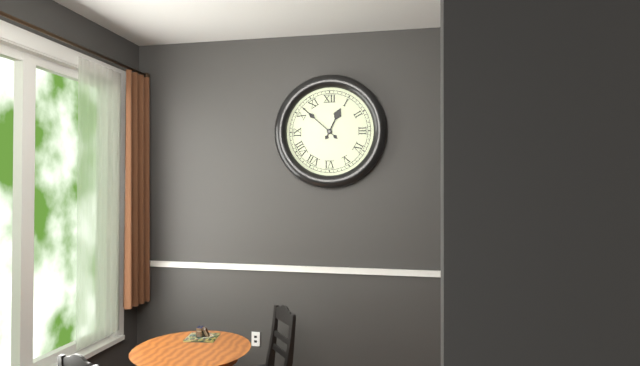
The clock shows 12.52
